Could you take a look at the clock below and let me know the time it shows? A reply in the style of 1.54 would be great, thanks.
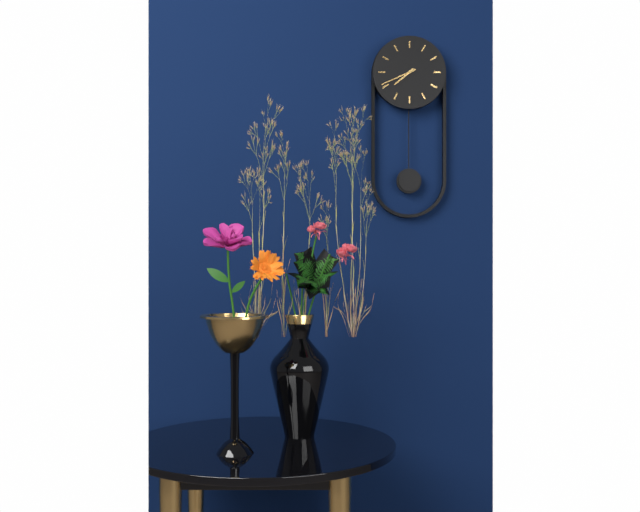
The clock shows 7.41
